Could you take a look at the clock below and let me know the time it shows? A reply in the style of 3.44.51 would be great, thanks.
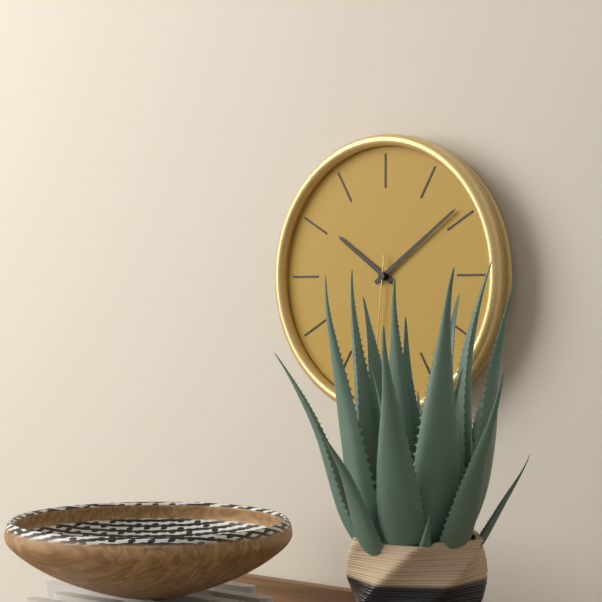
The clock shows 10.09.31
